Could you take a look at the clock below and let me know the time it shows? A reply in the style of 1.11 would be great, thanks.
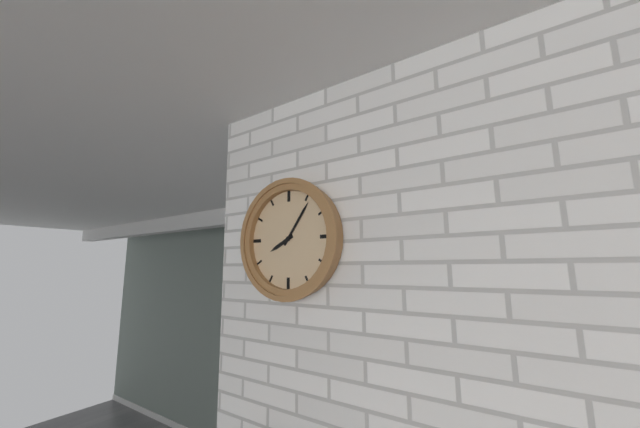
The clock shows 8.06
